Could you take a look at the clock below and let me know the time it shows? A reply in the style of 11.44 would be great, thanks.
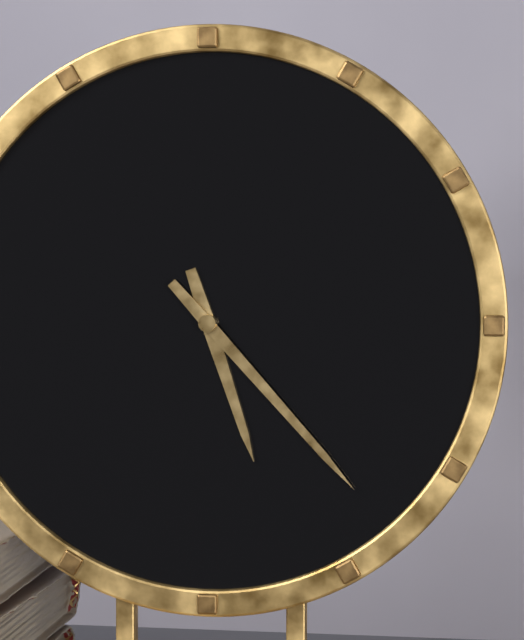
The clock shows 5.23
